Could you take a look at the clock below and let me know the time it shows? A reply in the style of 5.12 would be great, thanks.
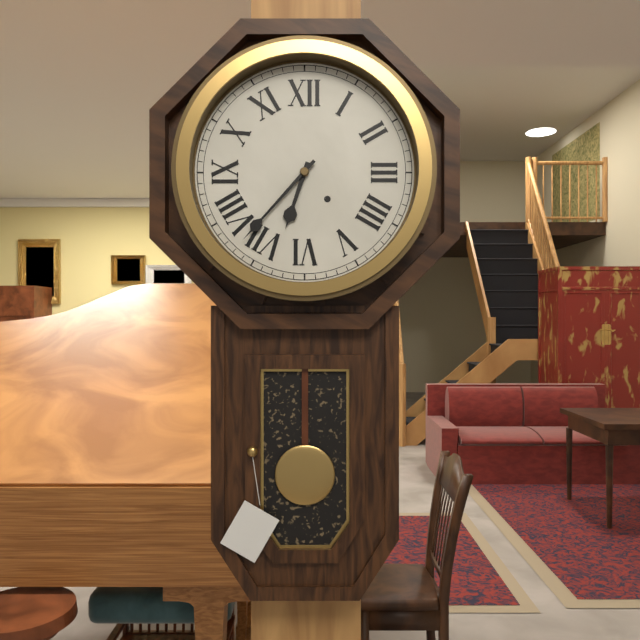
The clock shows 6.37
